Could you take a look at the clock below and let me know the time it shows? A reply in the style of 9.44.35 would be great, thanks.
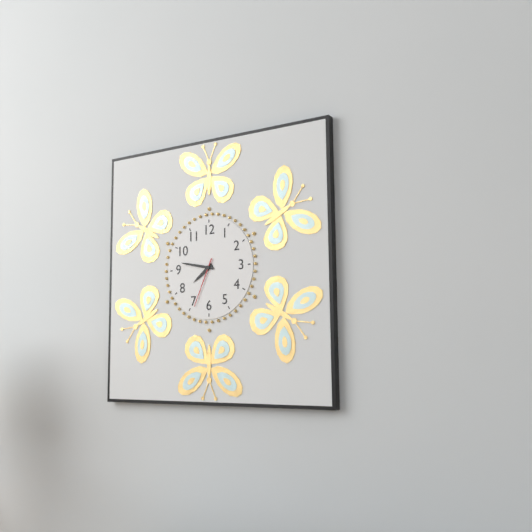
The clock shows 7.47.34
